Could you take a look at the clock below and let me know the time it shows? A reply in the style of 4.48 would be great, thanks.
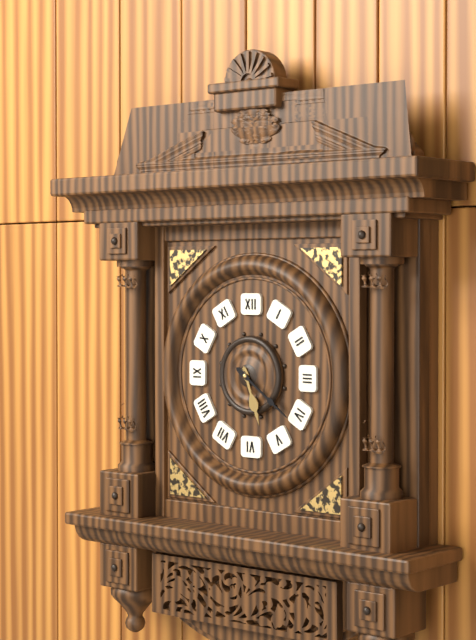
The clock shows 5.21
